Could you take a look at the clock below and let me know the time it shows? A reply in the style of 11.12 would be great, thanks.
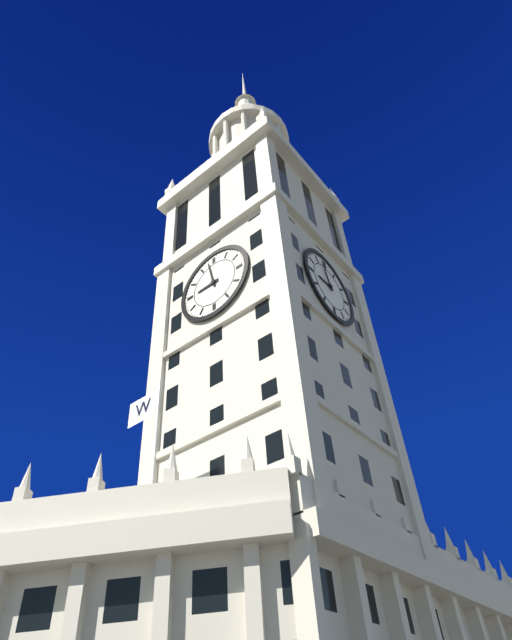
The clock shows 8.58
